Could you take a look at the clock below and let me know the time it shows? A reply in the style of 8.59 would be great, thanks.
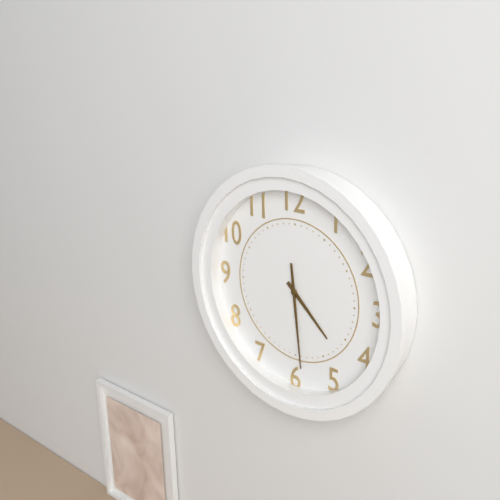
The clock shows 4.29
